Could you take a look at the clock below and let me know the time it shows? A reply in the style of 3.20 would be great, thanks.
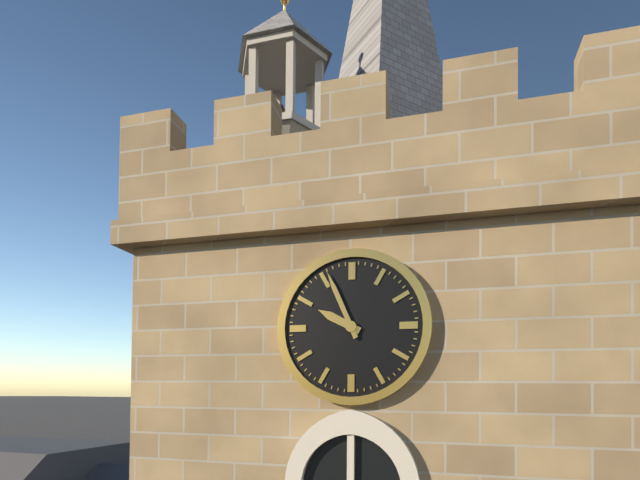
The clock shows 9.56
